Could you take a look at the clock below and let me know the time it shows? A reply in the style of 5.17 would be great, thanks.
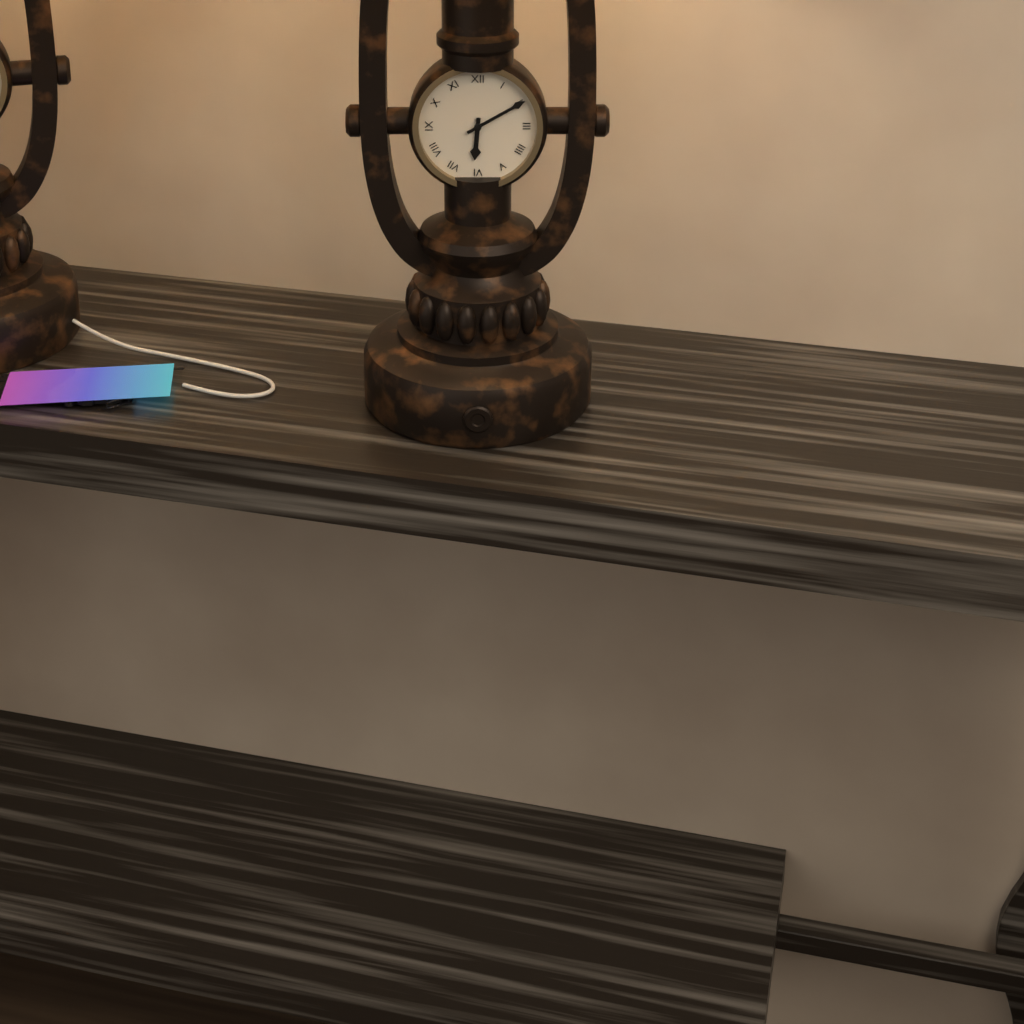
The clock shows 6.10
